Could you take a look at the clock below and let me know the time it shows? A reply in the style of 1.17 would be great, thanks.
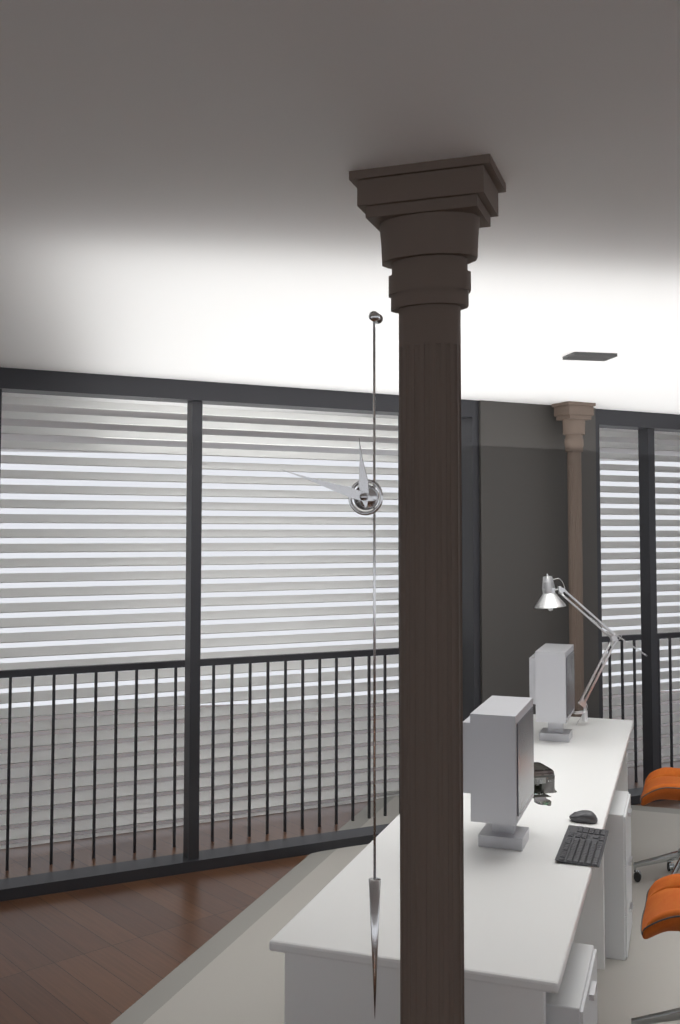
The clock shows 11.48
